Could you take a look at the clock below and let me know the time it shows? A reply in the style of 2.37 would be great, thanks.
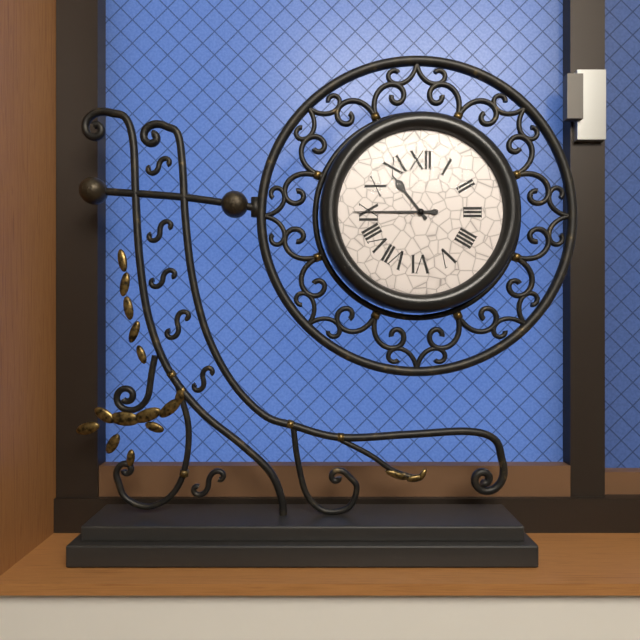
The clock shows 10.45
